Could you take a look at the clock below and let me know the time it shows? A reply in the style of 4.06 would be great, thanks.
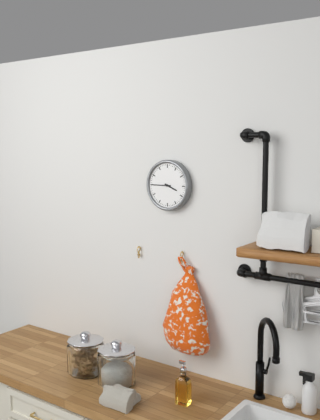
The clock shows 3.45
